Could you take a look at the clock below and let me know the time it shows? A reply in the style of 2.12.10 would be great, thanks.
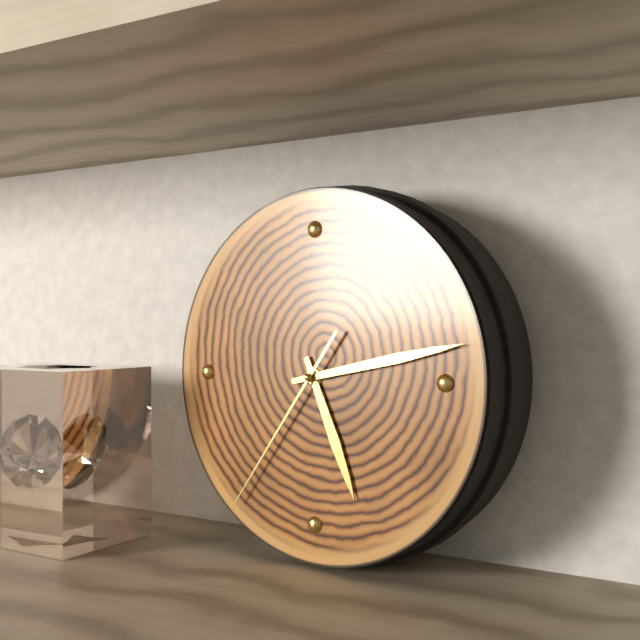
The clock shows 5.13.36
